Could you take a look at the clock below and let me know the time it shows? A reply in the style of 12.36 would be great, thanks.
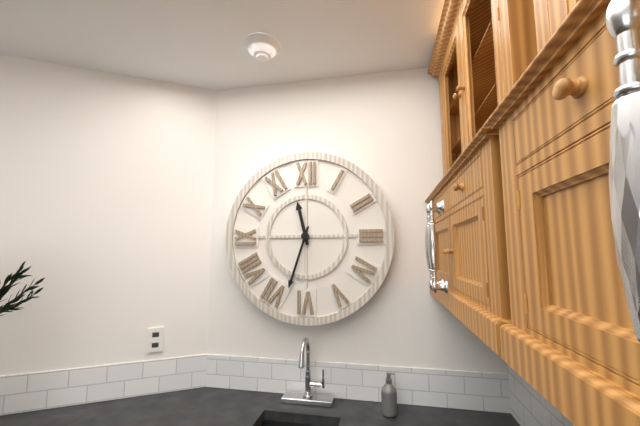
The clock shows 11.33
